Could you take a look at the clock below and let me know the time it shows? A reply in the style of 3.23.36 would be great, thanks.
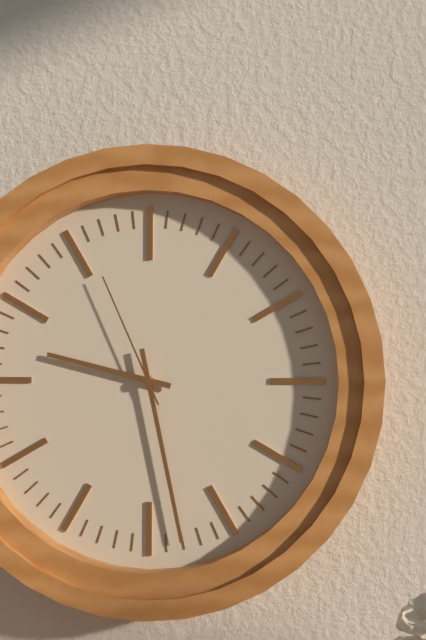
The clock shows 9.28.56
